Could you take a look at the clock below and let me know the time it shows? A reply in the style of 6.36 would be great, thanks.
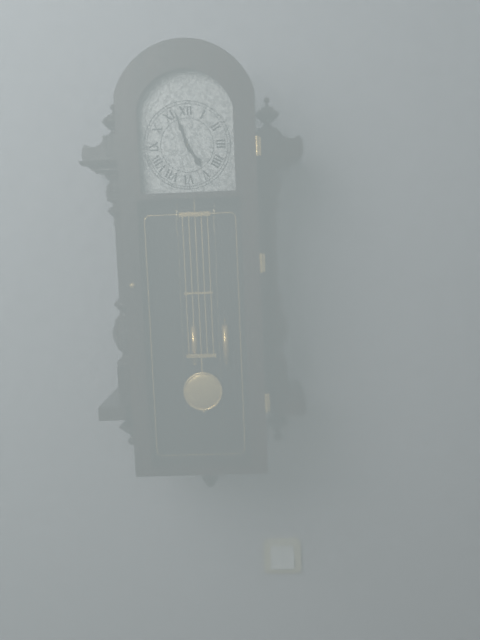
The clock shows 4.57
